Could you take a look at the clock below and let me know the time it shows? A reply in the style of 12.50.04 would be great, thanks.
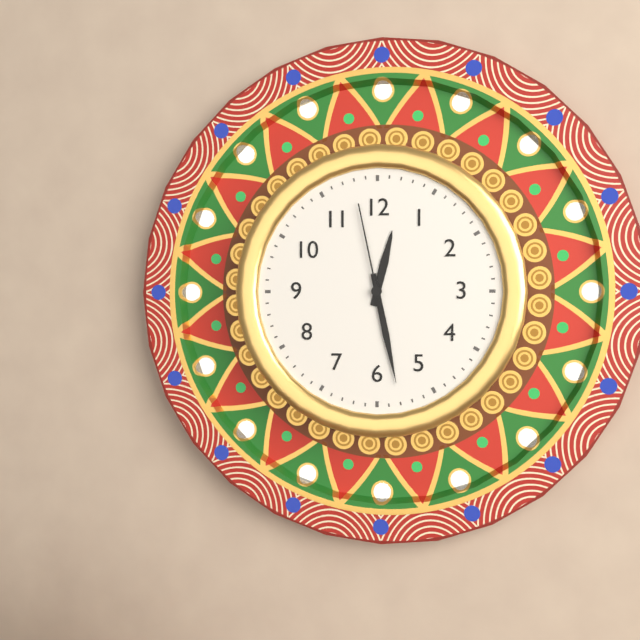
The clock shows 12.28.58
